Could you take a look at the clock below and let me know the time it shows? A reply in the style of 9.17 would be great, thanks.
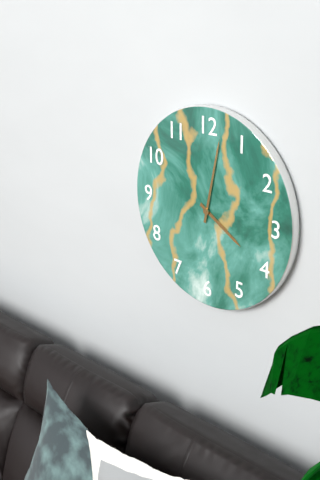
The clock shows 4.02
